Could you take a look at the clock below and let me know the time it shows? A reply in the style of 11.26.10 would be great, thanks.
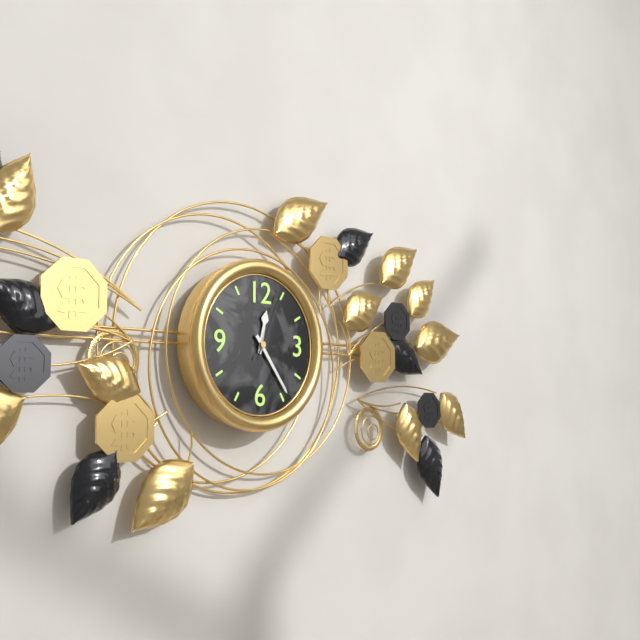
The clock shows 12.24.04
